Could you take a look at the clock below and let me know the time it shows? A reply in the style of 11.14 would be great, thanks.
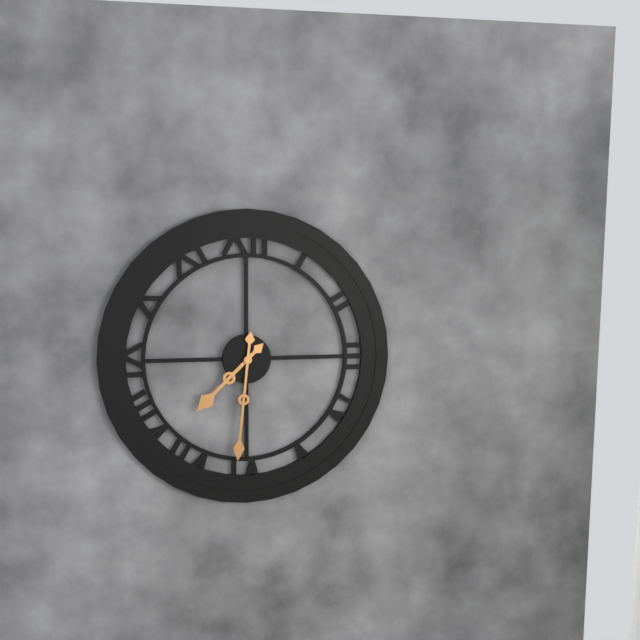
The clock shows 7.31
